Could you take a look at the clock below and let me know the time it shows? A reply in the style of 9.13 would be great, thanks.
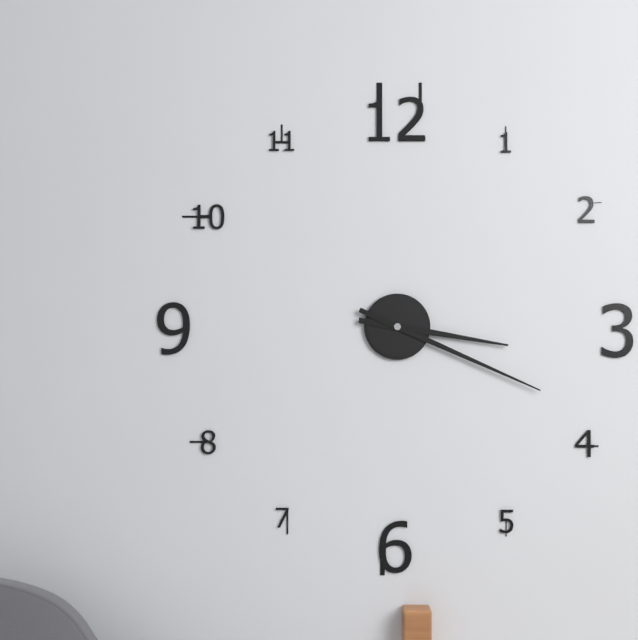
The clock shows 3.19
